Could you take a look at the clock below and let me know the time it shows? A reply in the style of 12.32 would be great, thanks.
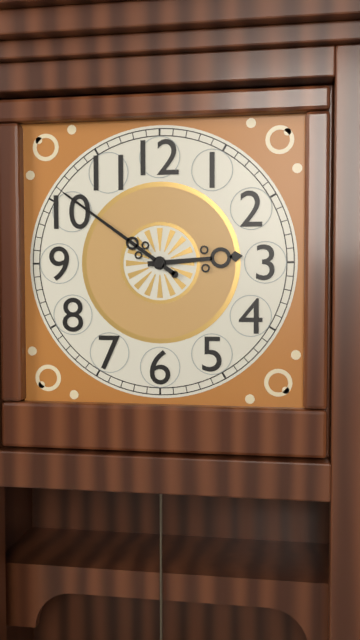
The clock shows 2.51
